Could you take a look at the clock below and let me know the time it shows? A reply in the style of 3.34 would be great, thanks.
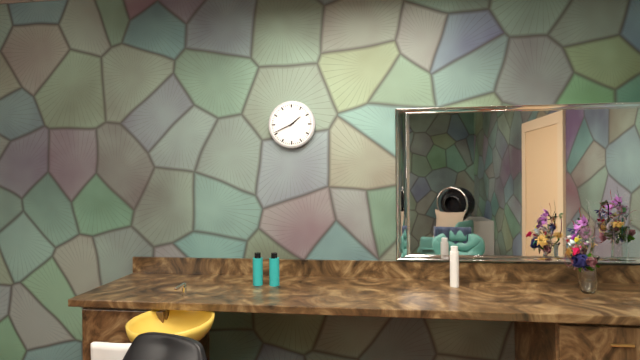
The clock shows 1.41
